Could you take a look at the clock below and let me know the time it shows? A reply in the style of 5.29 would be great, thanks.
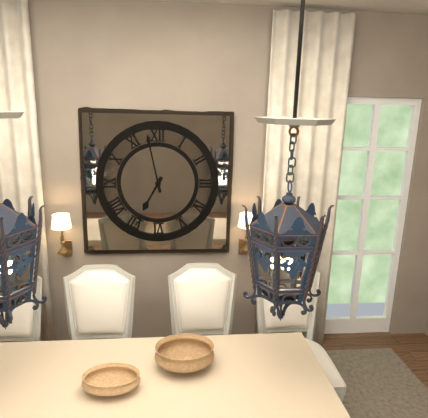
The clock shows 6.58
